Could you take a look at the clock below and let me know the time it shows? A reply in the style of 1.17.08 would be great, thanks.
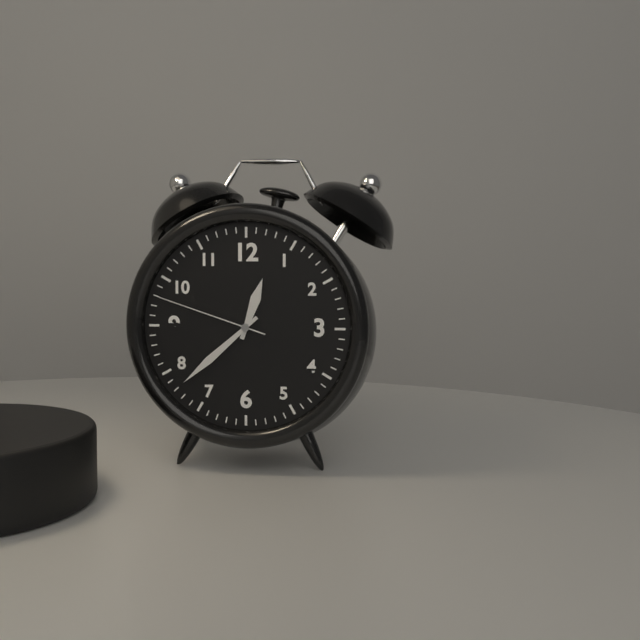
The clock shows 12.38.48
